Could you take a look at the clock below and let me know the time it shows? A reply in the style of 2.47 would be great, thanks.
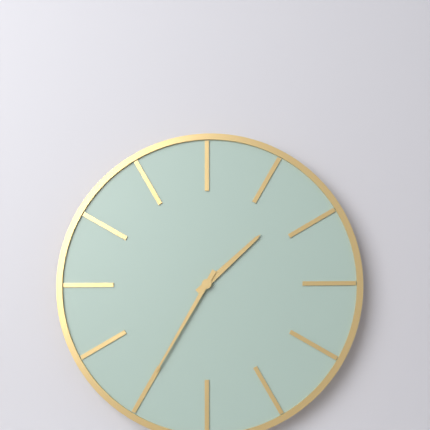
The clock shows 1.35
